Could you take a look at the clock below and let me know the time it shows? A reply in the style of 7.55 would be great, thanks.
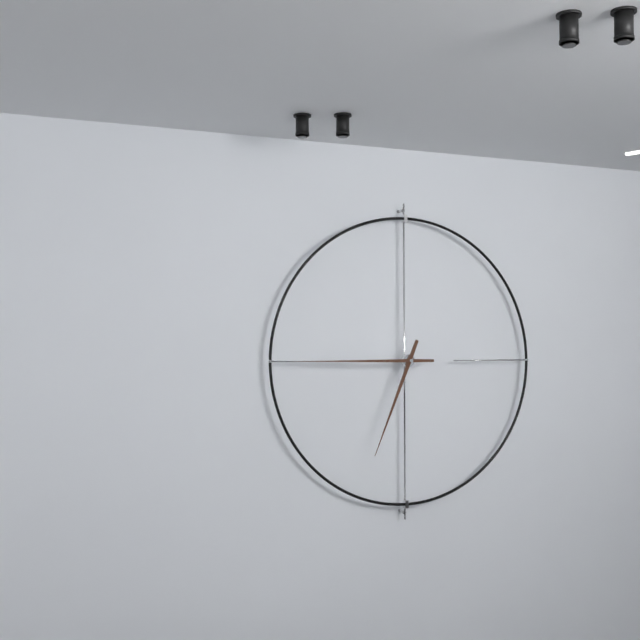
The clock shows 6.45
